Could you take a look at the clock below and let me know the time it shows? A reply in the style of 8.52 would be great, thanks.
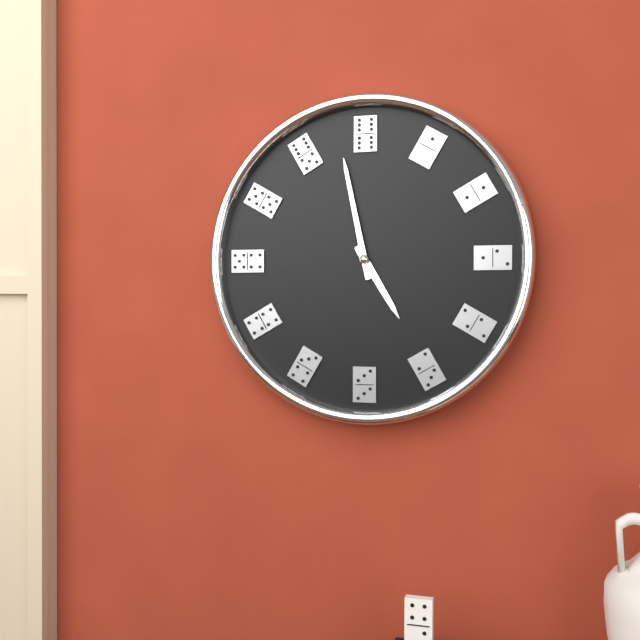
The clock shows 4.58
